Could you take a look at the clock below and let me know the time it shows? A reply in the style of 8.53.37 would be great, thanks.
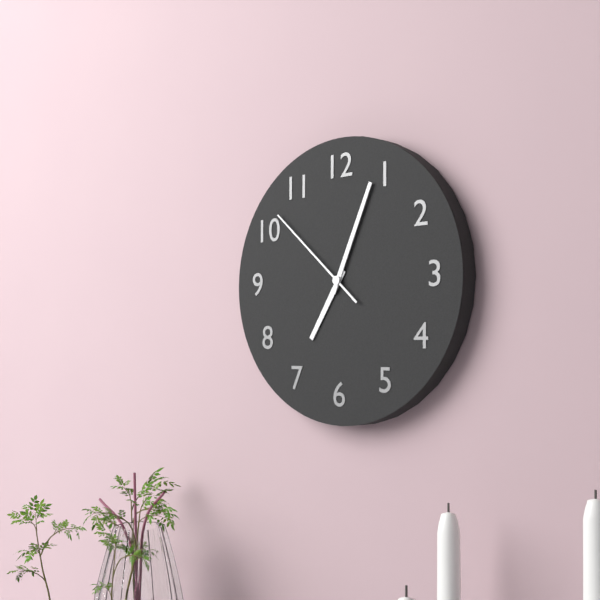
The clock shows 7.04.52
